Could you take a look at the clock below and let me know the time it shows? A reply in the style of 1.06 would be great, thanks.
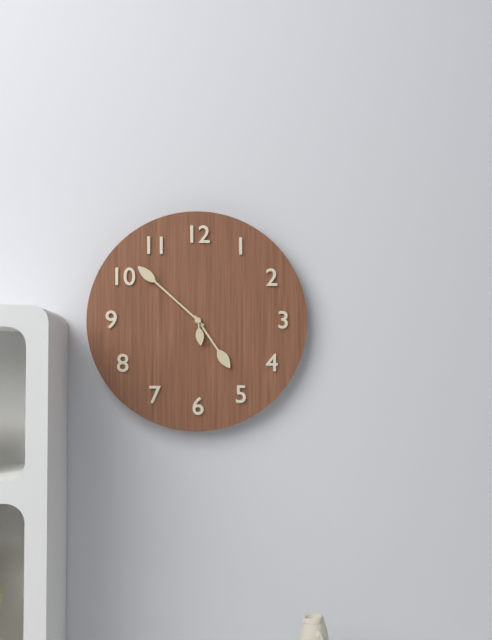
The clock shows 4.52
